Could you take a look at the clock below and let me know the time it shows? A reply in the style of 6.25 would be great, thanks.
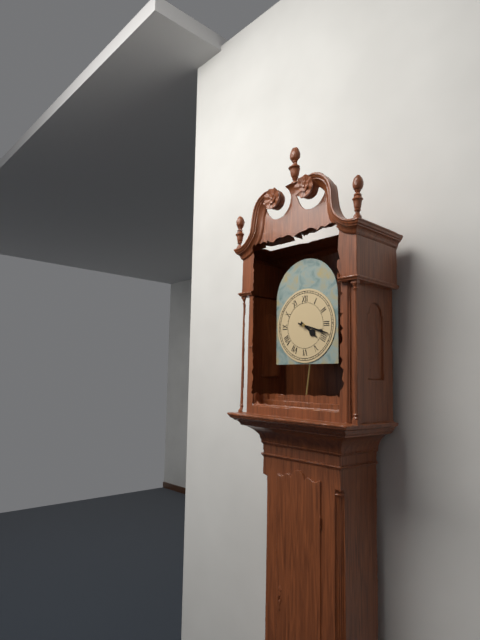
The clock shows 4.18
